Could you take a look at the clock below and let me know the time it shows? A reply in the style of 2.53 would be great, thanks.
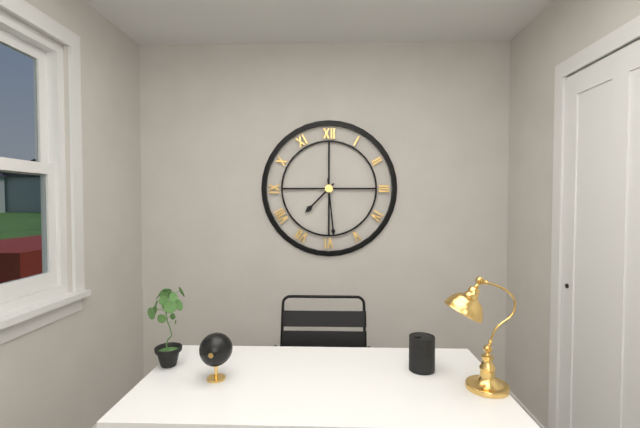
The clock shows 7.29
